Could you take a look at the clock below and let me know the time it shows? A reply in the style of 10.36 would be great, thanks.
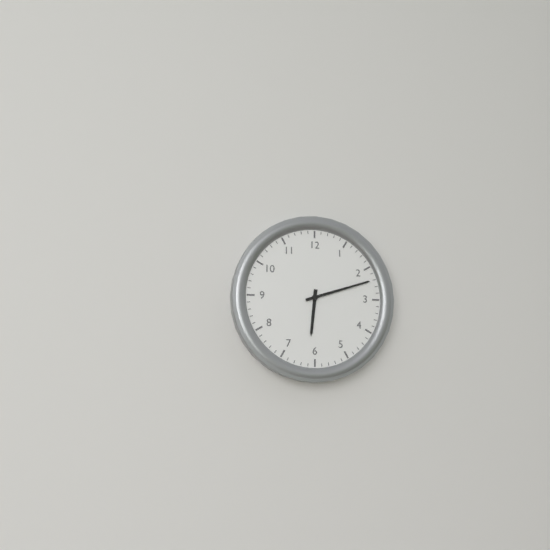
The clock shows 6.12
